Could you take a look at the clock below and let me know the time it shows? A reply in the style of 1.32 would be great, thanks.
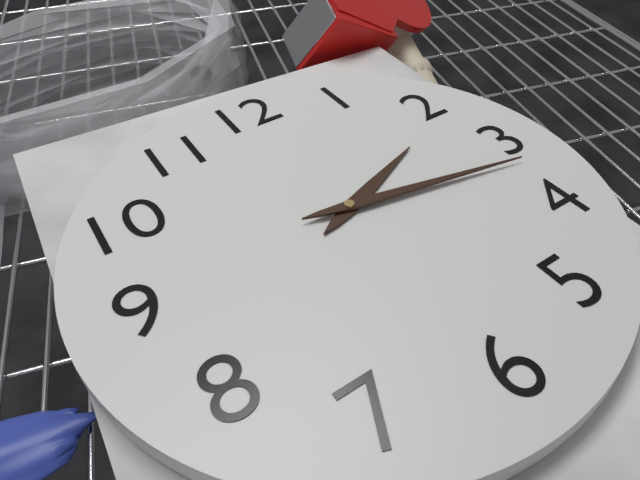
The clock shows 2.17
